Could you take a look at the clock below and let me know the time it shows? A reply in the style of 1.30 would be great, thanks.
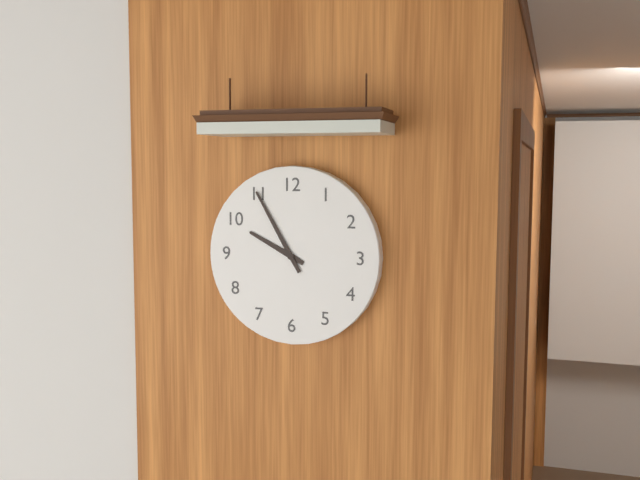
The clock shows 9.55
